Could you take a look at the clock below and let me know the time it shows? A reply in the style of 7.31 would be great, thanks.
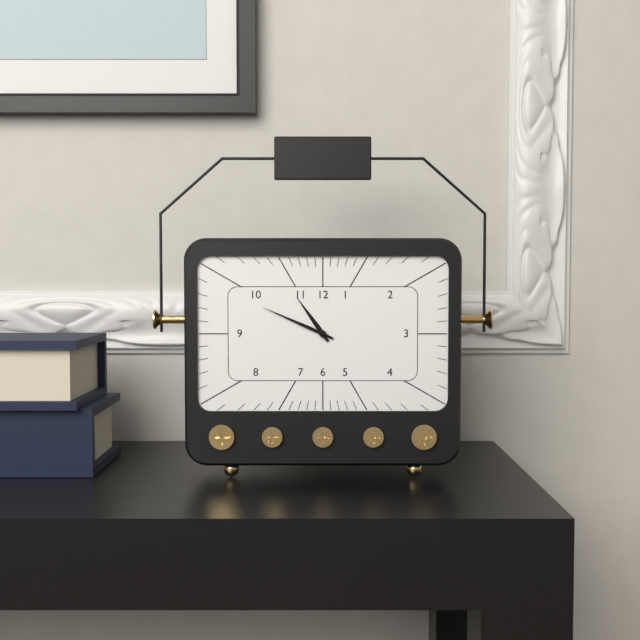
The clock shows 10.49
